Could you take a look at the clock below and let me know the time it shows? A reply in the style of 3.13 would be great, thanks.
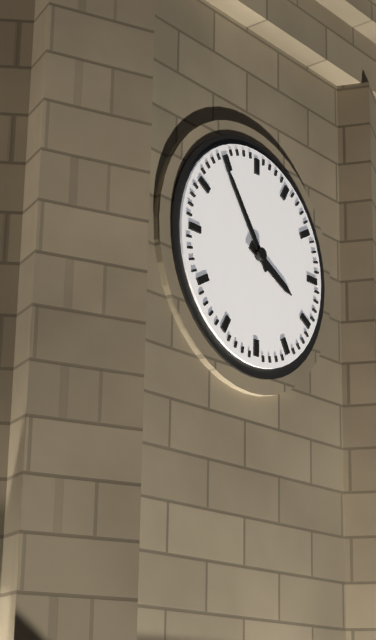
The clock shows 3.54
